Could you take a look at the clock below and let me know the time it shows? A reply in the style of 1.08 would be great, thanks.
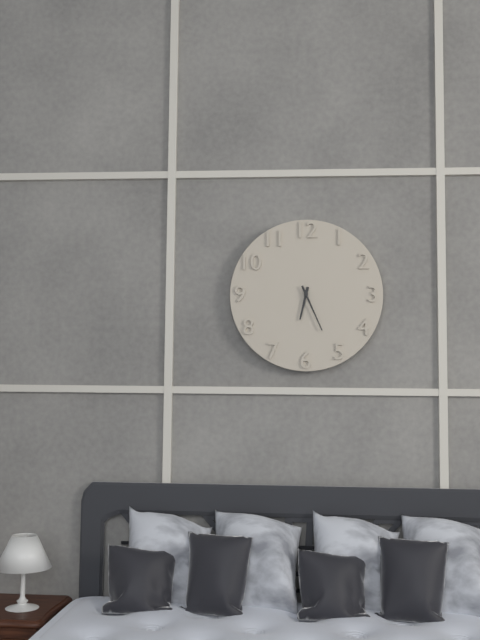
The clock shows 6.26
